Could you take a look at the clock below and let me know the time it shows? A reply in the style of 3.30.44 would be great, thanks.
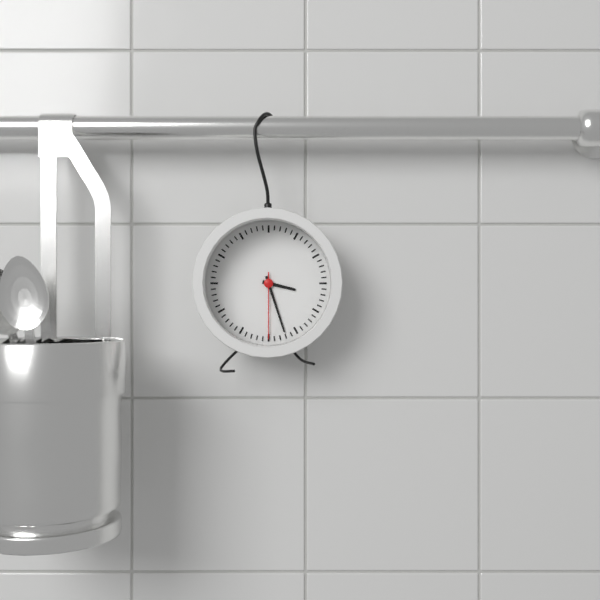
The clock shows 3.27.30
